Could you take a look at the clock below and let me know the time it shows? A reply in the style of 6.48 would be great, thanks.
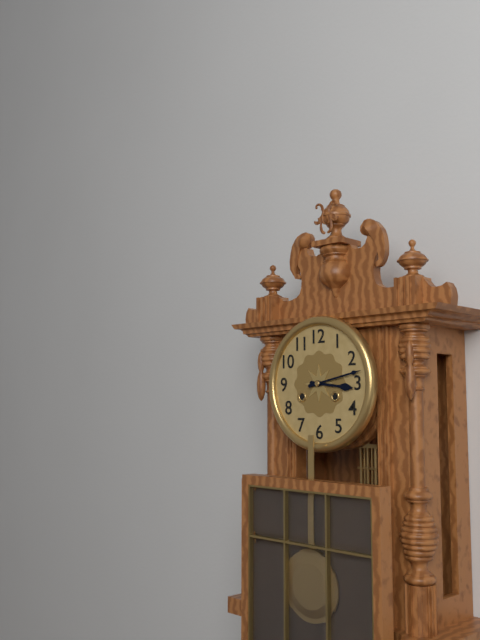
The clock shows 3.13
